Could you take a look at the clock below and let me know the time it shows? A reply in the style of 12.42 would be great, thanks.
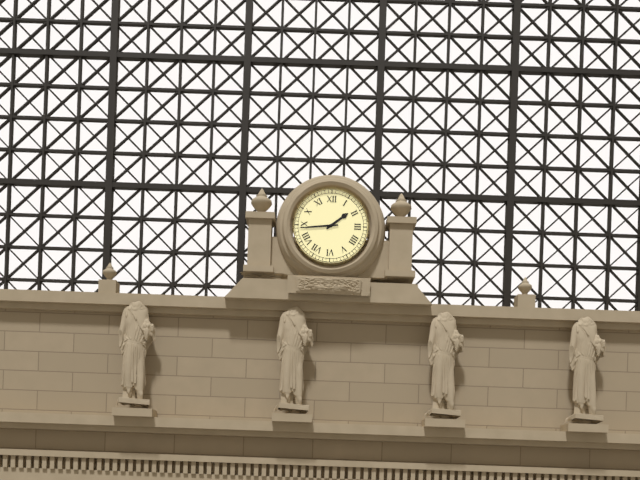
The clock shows 1.44
